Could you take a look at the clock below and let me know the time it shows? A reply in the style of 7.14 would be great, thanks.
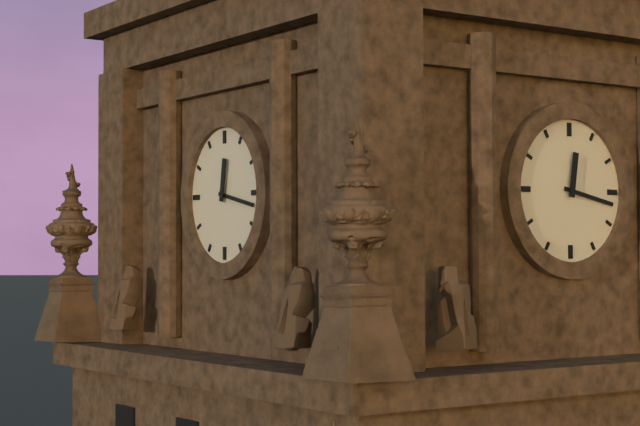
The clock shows 12.17
